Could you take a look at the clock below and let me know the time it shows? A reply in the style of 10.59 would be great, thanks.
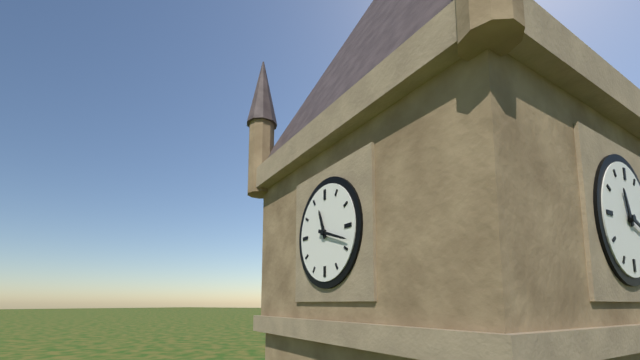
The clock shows 11.18
